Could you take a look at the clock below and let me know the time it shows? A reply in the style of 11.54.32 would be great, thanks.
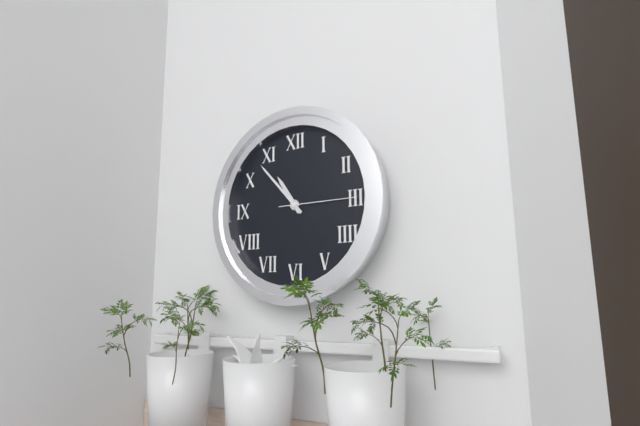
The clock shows 10.53.15
